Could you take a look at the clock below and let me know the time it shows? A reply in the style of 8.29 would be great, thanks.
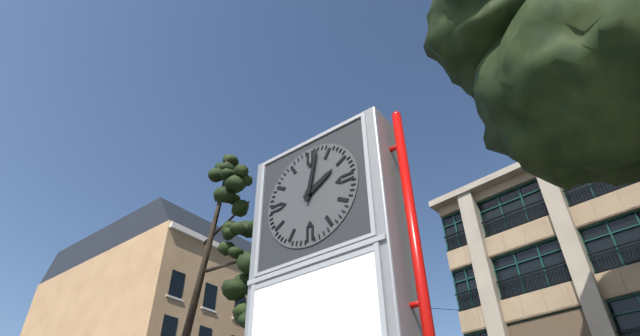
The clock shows 2.02
